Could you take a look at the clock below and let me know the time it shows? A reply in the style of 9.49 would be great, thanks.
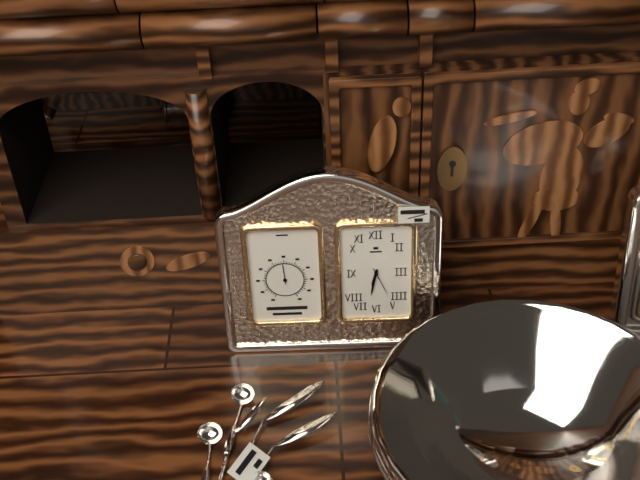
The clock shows 6.32
